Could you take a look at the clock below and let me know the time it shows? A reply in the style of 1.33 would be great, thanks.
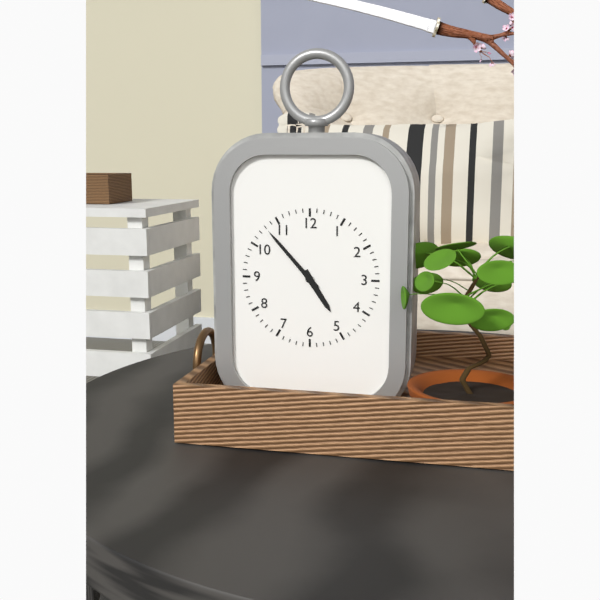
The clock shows 4.53
